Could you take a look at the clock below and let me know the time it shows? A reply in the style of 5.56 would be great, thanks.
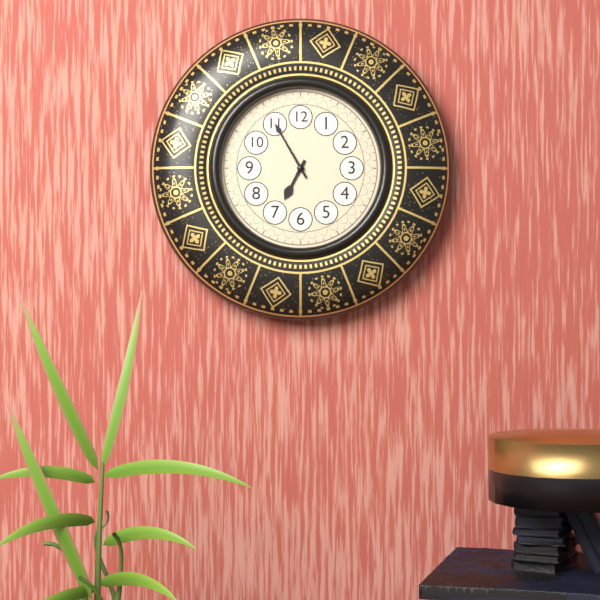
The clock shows 6.55
